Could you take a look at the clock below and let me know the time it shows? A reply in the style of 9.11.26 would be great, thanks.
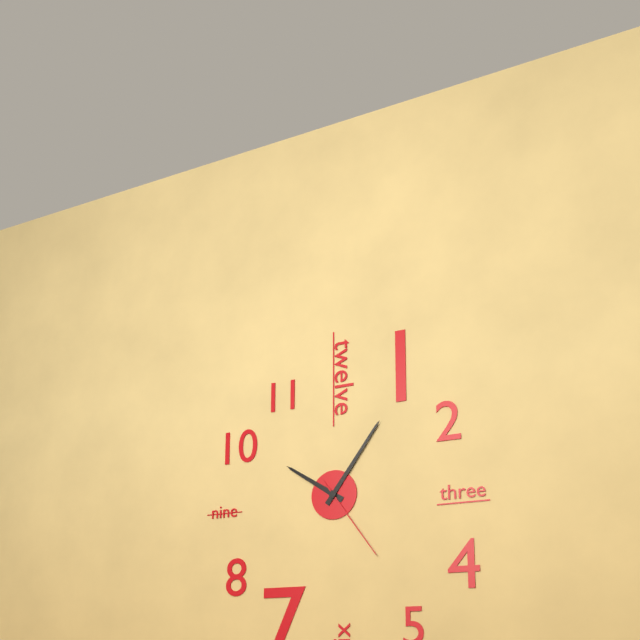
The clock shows 10.06.24
